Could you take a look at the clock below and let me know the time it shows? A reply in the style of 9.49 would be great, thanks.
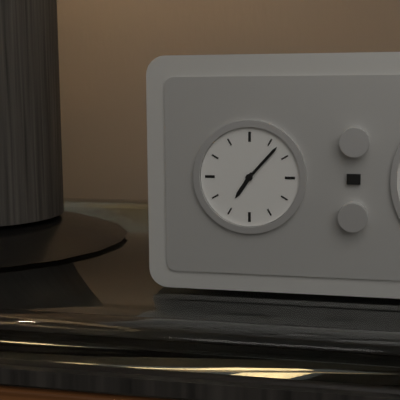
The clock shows 7.07
